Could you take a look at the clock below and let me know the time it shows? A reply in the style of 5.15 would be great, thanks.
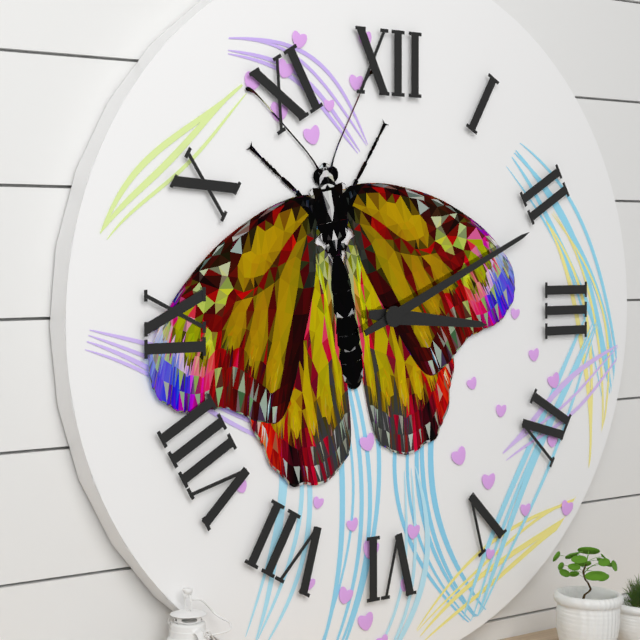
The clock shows 3.11
